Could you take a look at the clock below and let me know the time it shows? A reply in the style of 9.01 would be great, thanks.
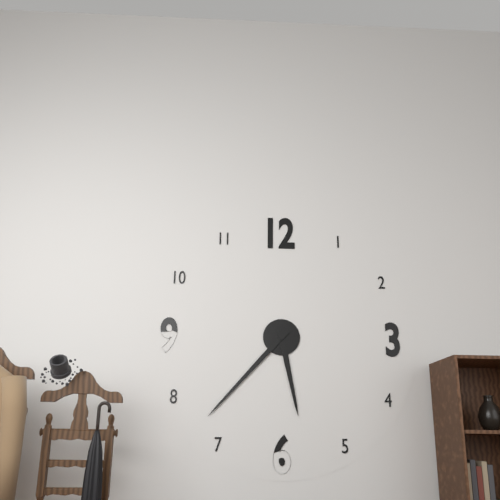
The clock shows 5.37
